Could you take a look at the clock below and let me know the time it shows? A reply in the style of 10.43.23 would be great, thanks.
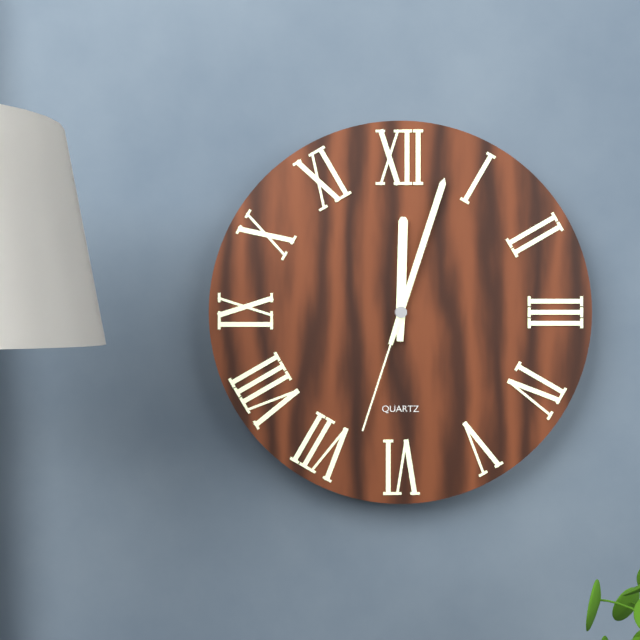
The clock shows 12.03.33
